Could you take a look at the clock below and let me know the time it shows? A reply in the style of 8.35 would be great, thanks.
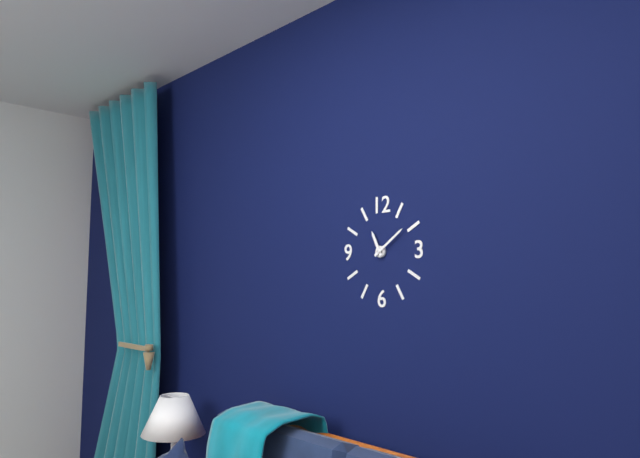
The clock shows 11.09
